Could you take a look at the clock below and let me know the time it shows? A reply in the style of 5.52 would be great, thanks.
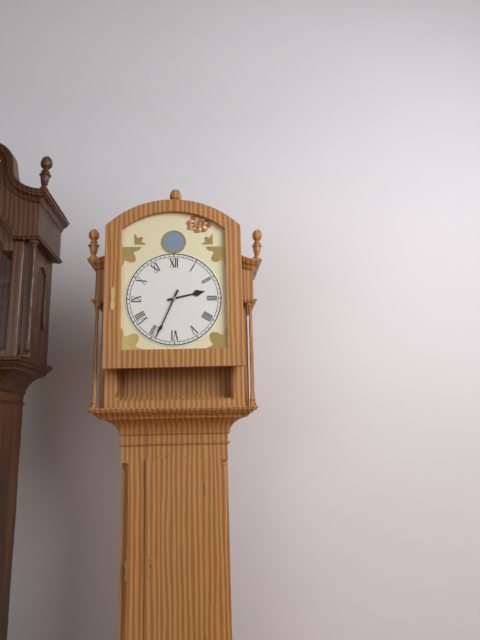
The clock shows 2.34
